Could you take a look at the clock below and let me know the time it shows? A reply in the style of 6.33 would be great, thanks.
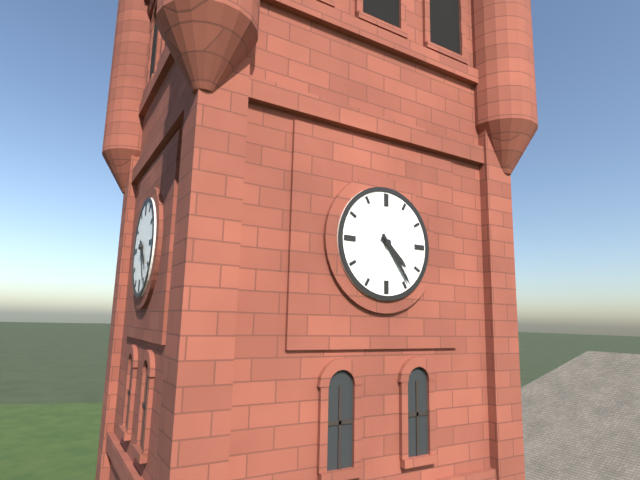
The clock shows 4.24
